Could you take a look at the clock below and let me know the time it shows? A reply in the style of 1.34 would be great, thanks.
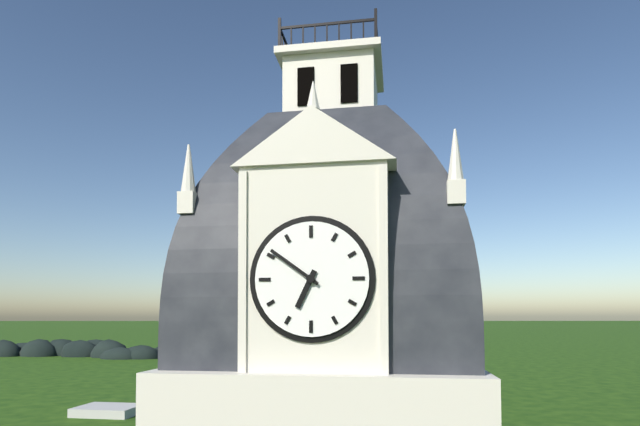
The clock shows 6.51
